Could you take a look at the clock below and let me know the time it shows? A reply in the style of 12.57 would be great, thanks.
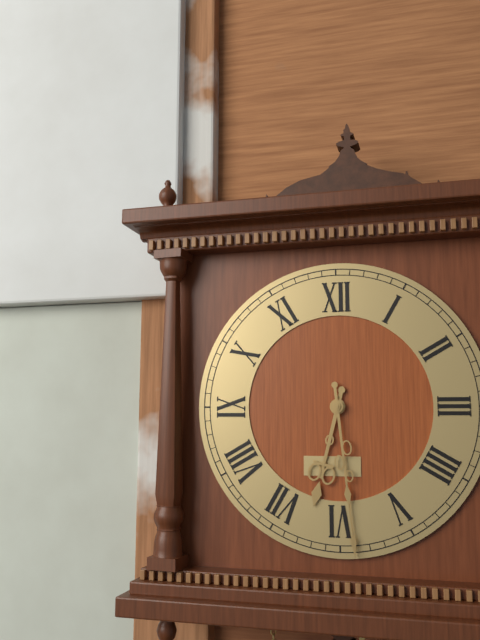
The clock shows 6.29
